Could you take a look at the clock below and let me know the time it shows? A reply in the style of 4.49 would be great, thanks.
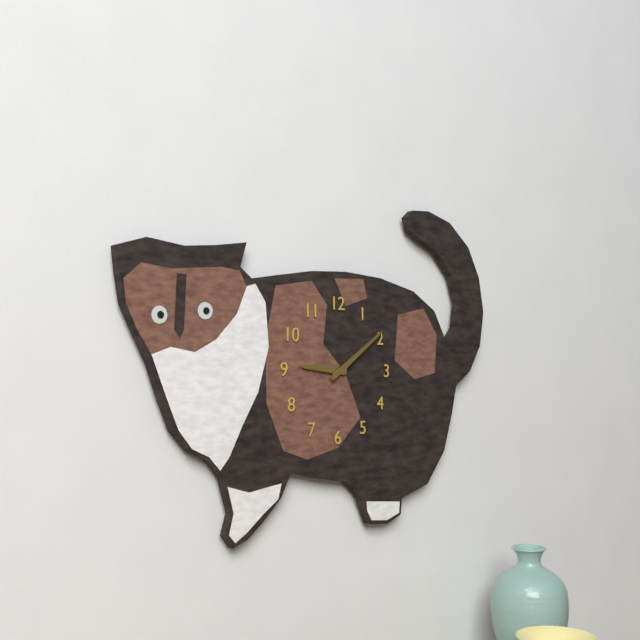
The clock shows 9.09
